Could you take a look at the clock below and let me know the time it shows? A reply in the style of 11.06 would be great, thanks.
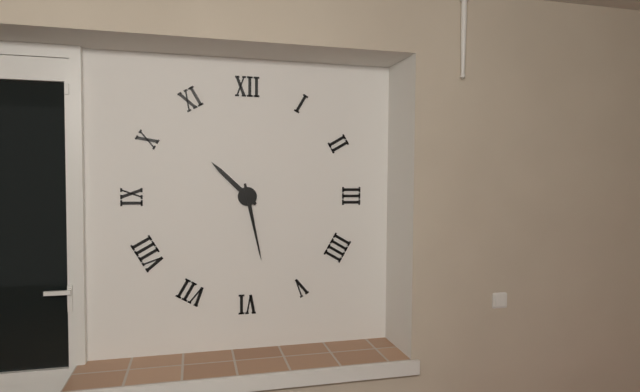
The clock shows 10.28
